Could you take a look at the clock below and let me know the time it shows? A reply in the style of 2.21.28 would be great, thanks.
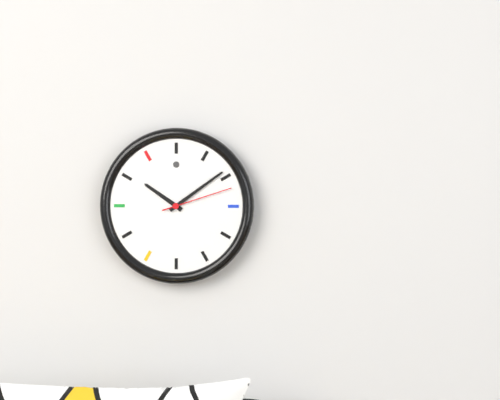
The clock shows 10.09.12
